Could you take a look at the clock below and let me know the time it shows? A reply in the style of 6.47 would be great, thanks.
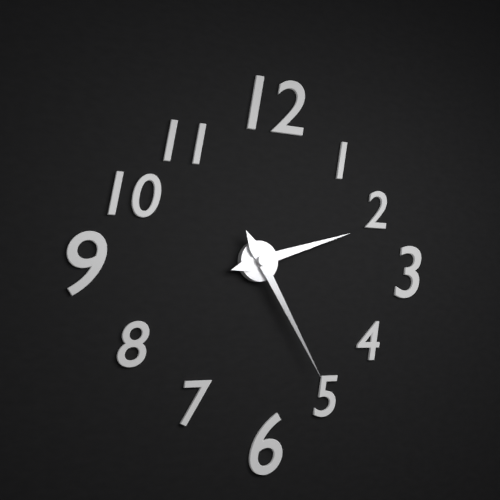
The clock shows 2.25
